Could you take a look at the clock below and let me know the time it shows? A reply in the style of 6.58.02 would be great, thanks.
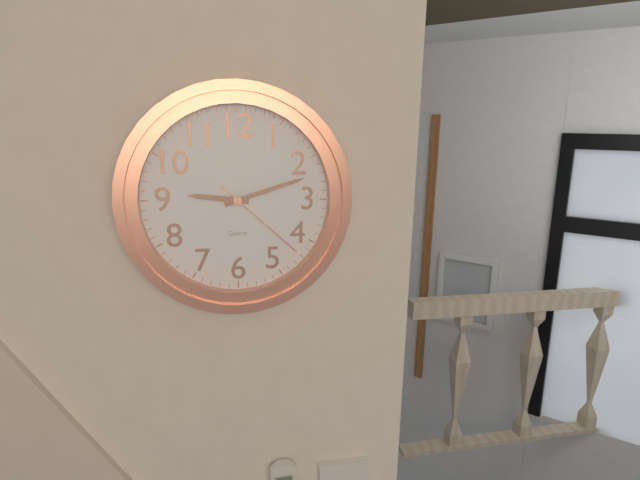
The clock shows 9.12.22
